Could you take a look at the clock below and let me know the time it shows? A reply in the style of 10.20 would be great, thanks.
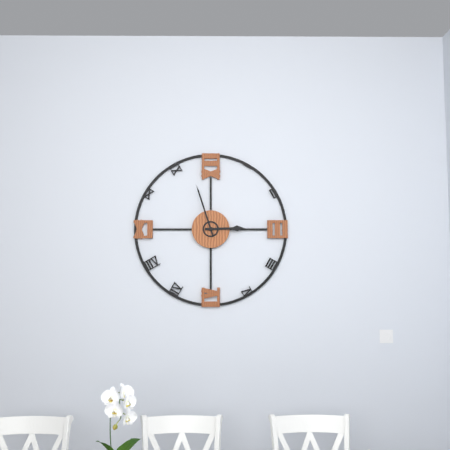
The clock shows 2.57
